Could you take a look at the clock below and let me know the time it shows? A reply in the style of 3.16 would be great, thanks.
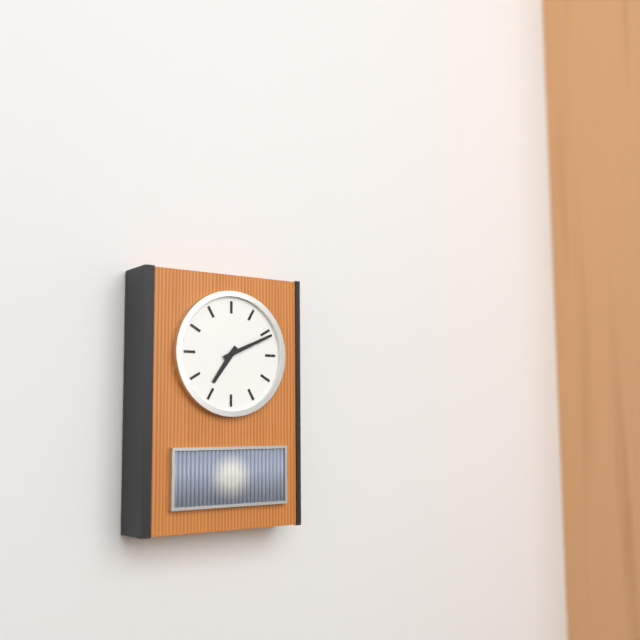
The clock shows 7.11
